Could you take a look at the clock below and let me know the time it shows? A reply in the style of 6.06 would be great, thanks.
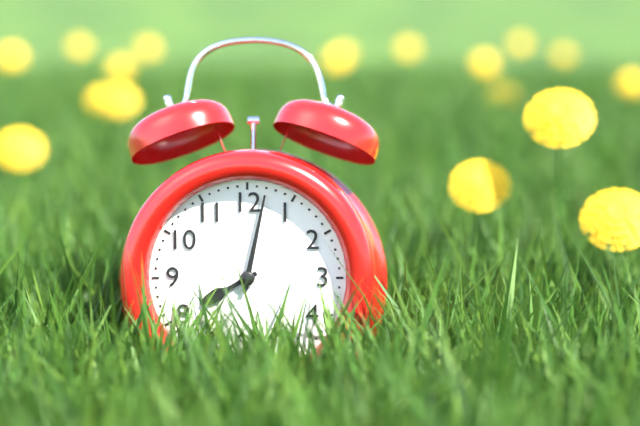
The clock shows 8.02
